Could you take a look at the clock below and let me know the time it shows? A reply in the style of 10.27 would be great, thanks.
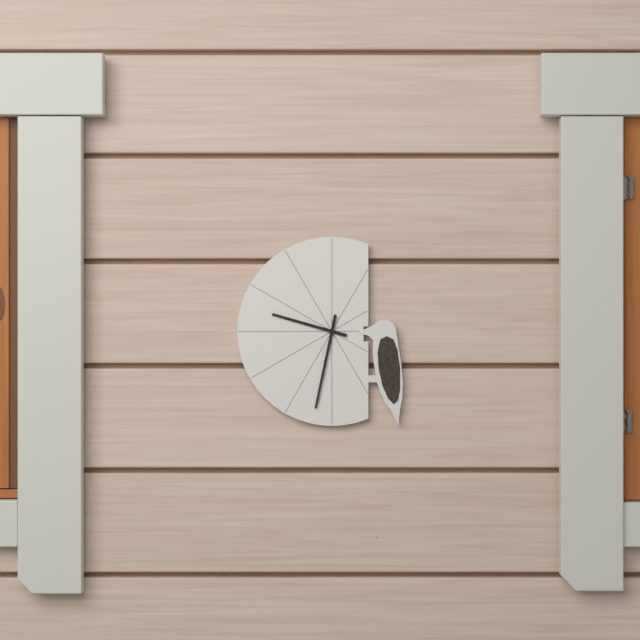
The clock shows 9.32
